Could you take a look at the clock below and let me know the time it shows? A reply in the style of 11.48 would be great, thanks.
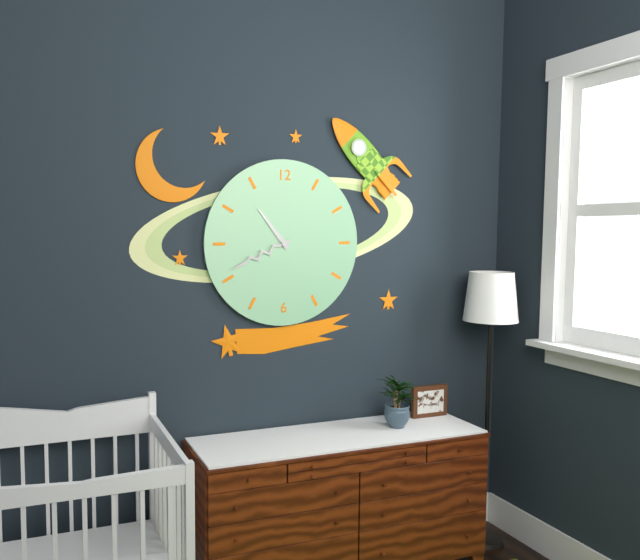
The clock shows 10.41
